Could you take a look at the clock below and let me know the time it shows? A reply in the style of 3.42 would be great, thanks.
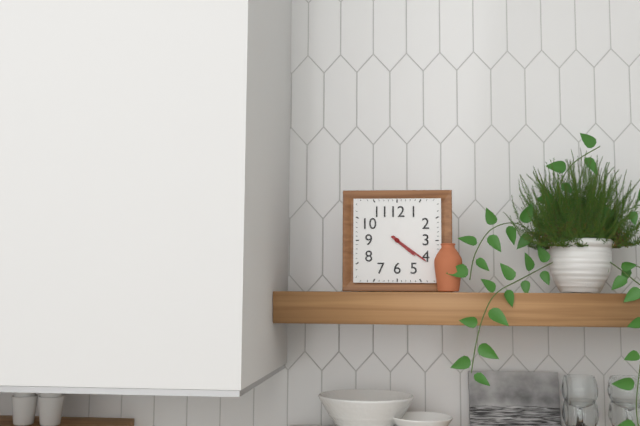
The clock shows 4.21
